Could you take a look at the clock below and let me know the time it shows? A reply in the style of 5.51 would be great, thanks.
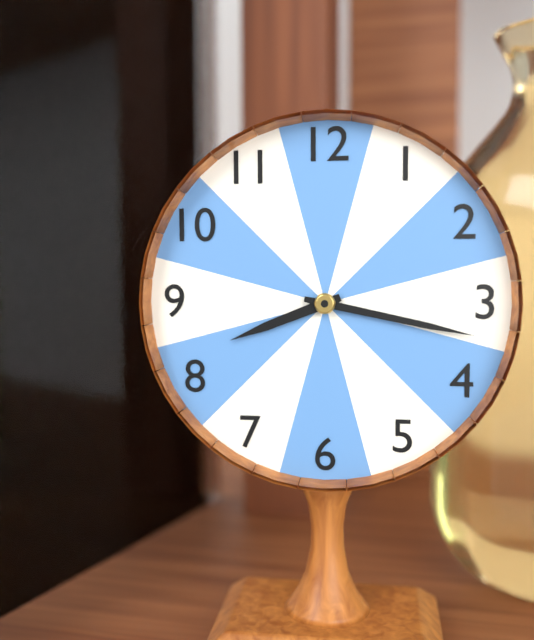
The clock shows 8.17
